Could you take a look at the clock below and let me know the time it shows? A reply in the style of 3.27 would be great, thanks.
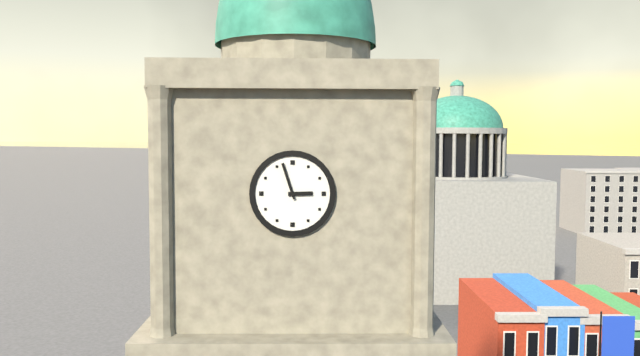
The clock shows 2.57
